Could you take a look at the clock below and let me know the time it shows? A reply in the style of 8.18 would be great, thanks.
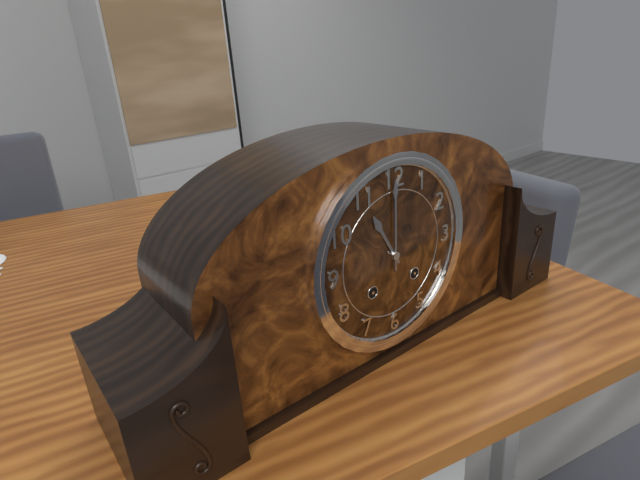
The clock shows 11.00
